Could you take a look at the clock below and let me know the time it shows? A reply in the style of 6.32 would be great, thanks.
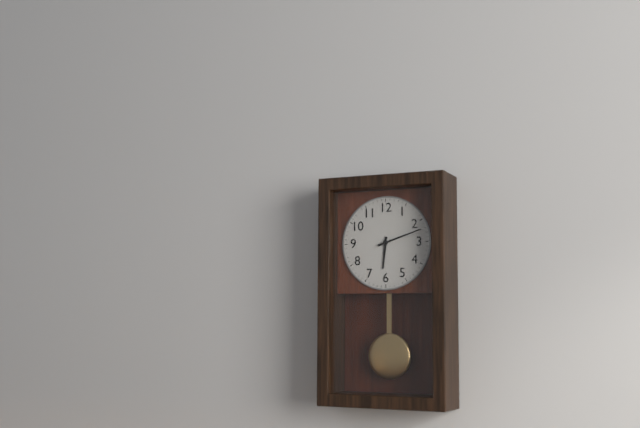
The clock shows 6.12
